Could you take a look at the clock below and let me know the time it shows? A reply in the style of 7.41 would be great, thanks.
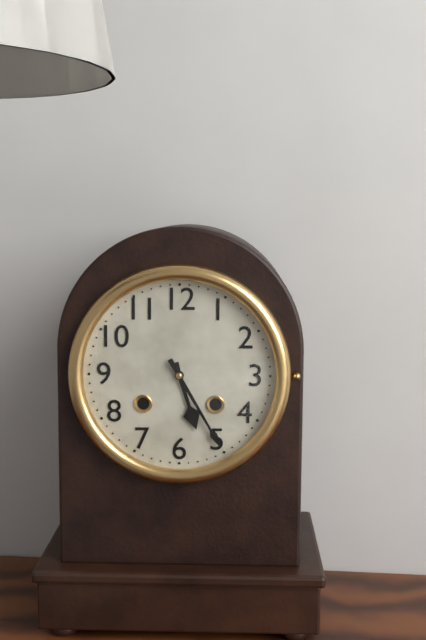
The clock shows 5.25
